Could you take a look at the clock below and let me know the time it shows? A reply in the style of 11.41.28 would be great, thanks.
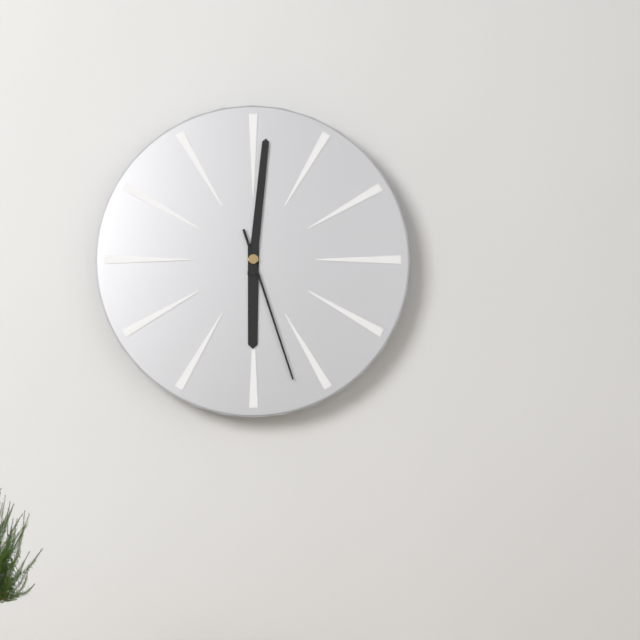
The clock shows 6.01.27
